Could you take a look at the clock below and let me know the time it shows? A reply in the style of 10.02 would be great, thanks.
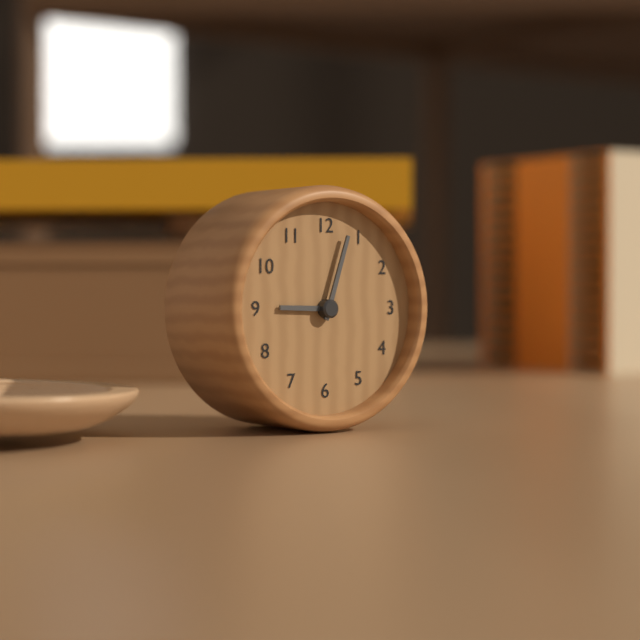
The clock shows 9.03
